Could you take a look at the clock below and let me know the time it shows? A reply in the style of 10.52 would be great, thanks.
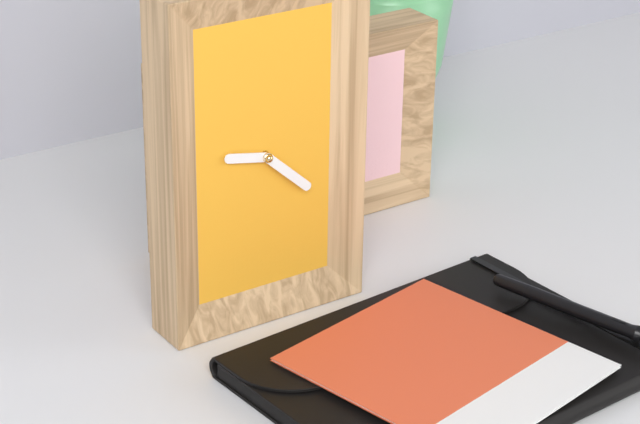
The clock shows 9.22
